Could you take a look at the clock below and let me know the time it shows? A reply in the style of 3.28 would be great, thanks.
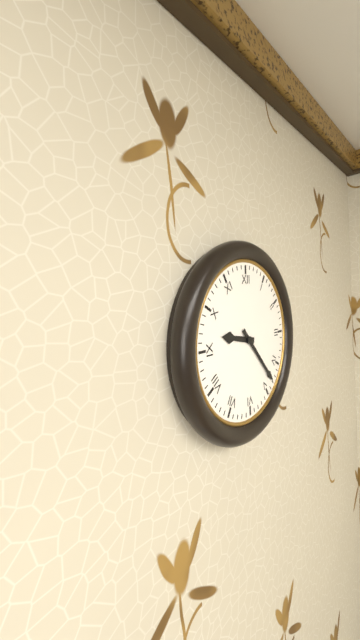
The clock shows 9.23
